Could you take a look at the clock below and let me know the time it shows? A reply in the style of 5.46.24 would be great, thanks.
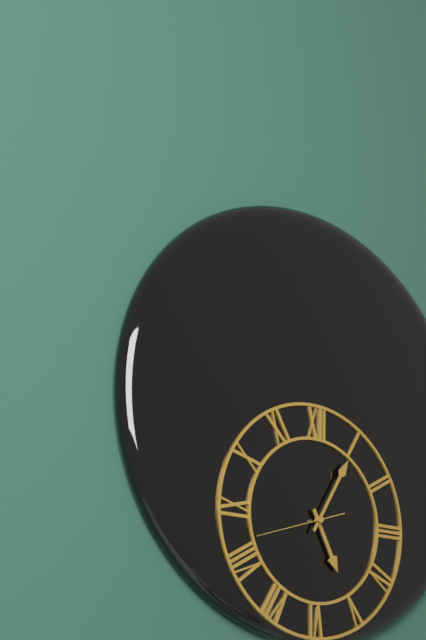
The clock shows 5.05.42
